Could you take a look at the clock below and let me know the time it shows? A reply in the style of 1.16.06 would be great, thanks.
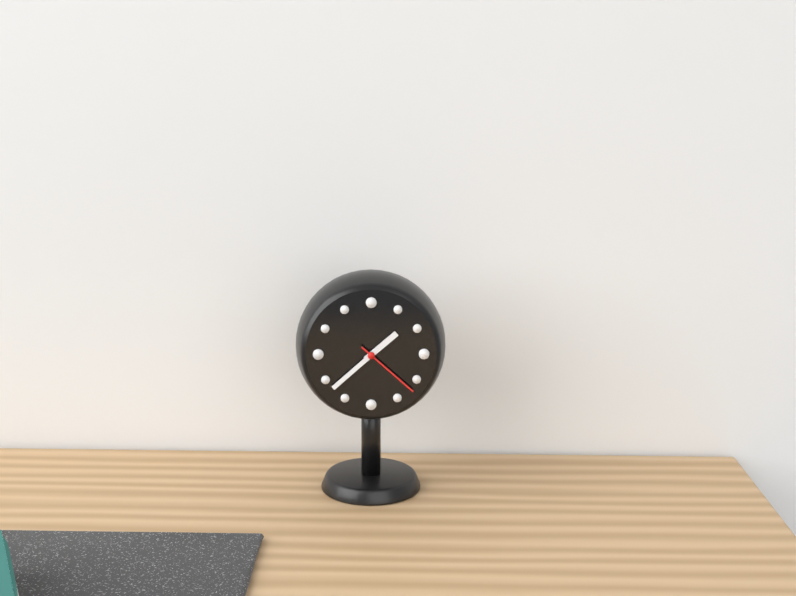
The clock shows 1.38.22
